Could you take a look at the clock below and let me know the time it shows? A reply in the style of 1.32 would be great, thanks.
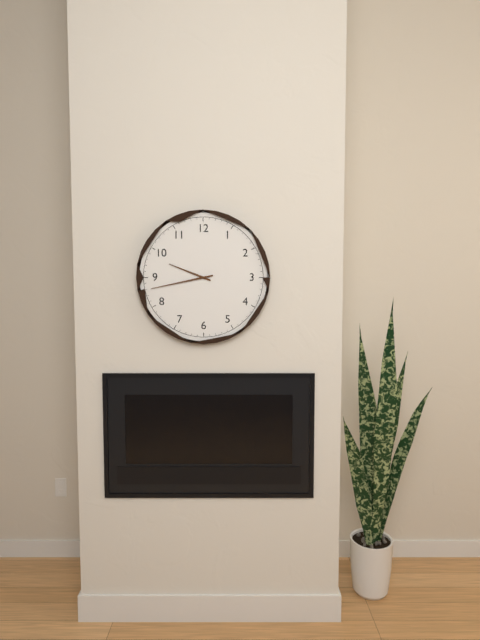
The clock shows 9.43
